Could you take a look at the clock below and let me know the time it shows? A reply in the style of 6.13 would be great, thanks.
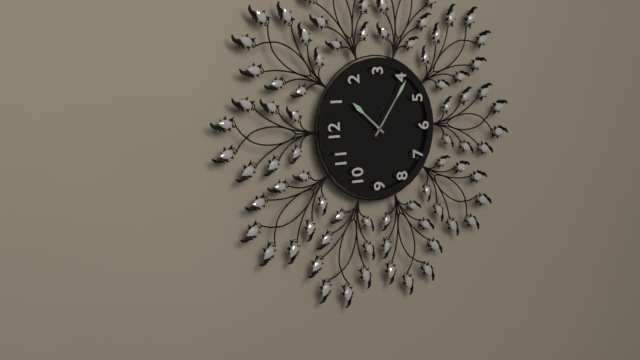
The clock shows 1.21
